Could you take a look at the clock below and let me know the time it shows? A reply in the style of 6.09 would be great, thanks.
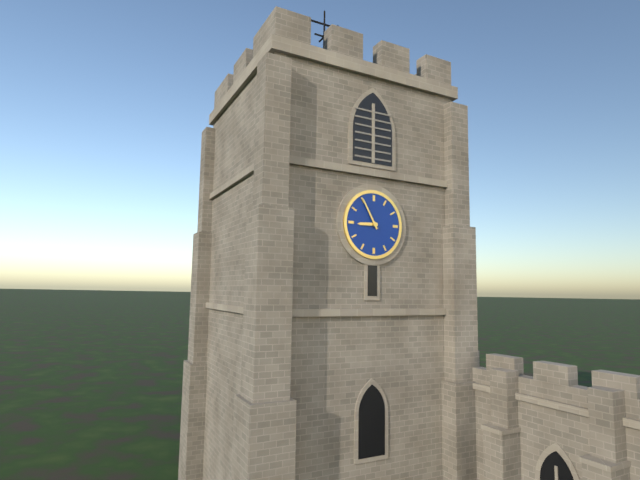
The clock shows 8.55
